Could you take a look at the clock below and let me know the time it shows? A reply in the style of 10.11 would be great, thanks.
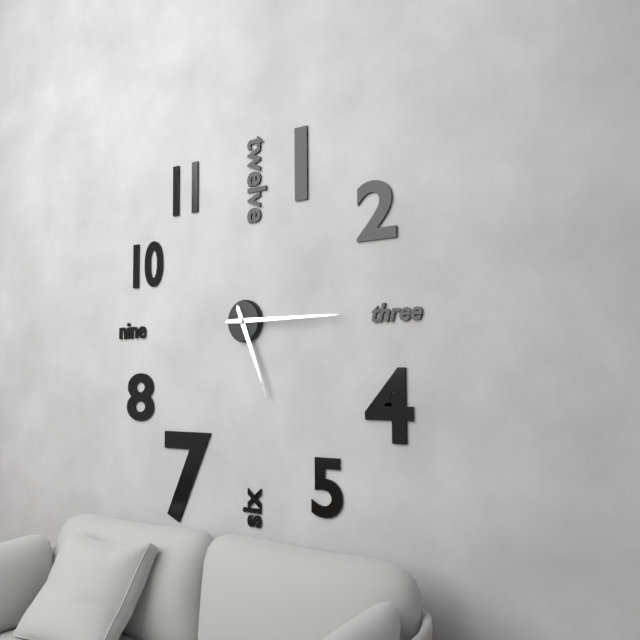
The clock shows 5.15
